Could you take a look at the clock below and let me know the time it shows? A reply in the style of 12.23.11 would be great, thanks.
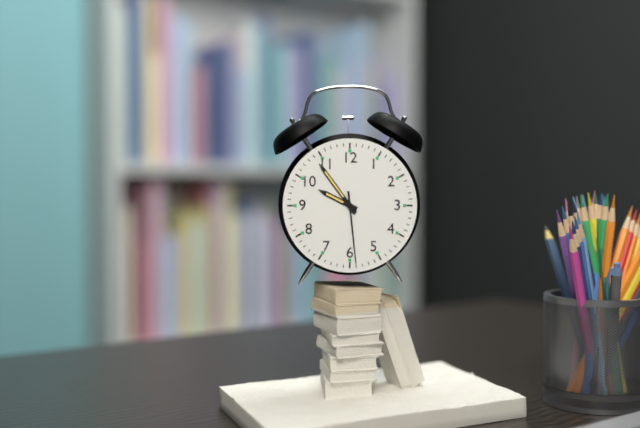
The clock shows 9.54.29
